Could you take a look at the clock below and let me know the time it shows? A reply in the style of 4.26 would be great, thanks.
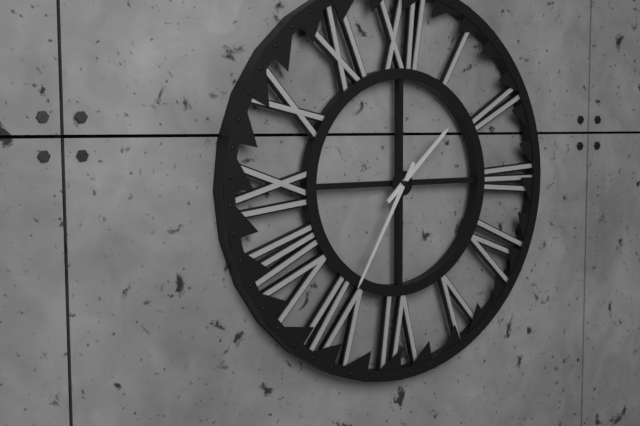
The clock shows 1.35
